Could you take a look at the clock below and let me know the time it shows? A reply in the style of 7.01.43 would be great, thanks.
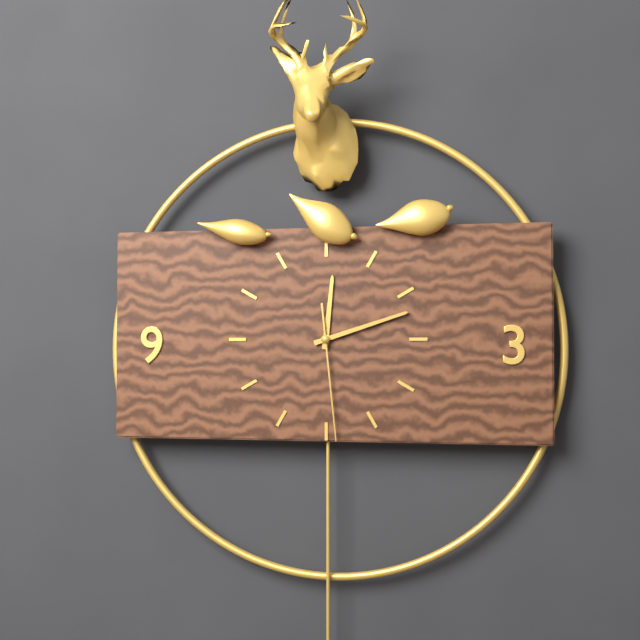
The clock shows 12.12.29
